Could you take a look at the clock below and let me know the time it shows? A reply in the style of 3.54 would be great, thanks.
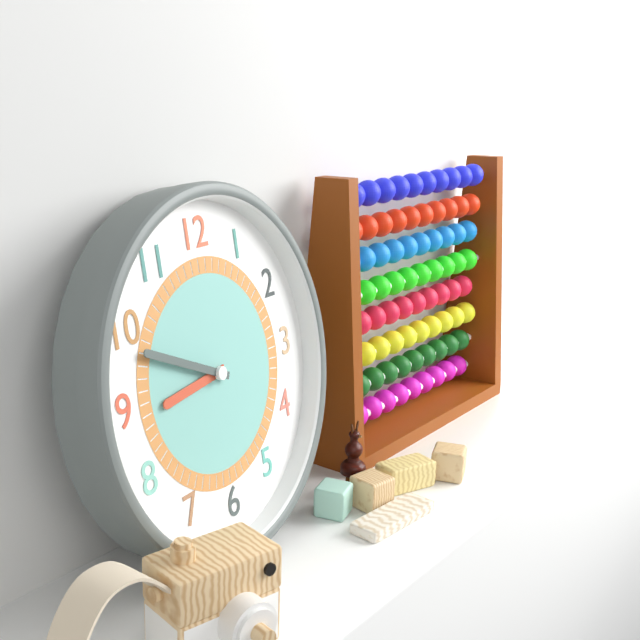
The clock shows 8.49
